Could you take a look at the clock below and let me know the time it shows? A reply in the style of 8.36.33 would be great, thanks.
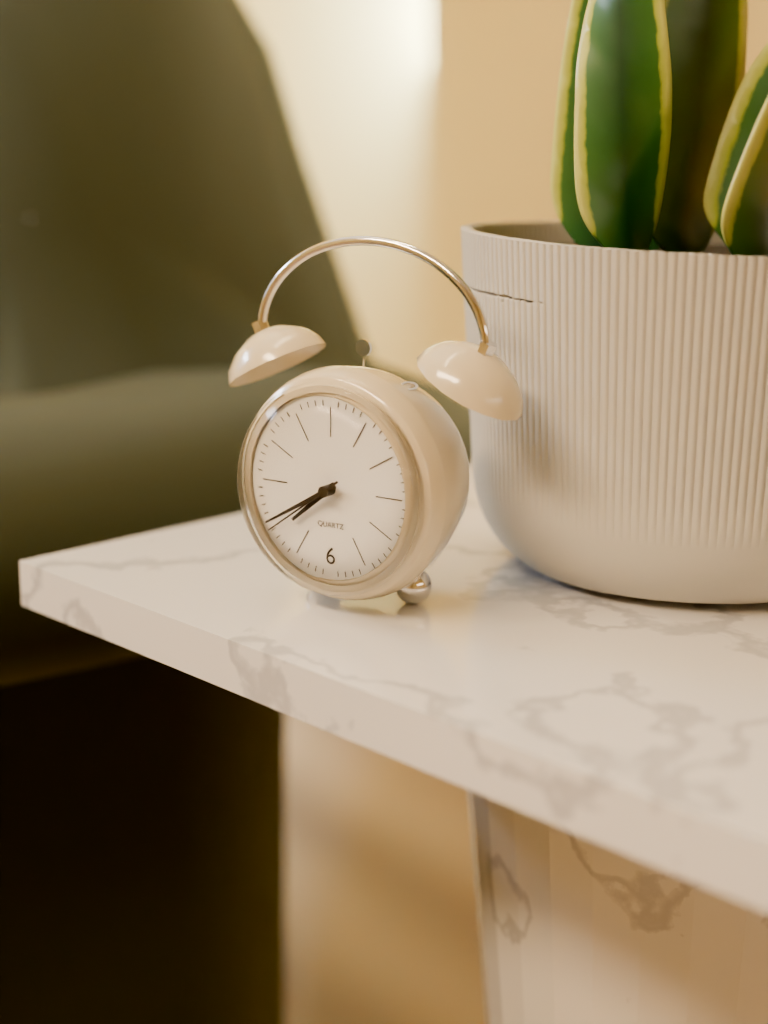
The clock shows 7.40.39
